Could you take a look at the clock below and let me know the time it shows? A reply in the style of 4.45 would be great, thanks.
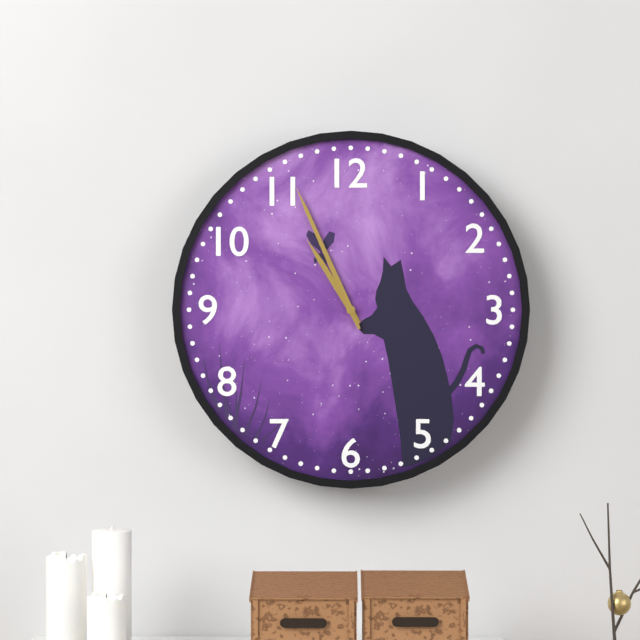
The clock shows 10.56
